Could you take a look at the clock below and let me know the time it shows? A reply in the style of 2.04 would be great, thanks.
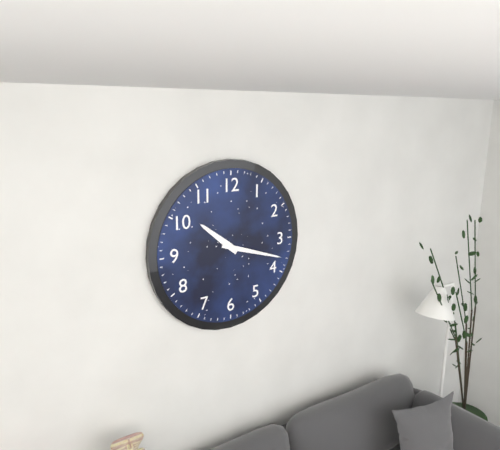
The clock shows 10.18
